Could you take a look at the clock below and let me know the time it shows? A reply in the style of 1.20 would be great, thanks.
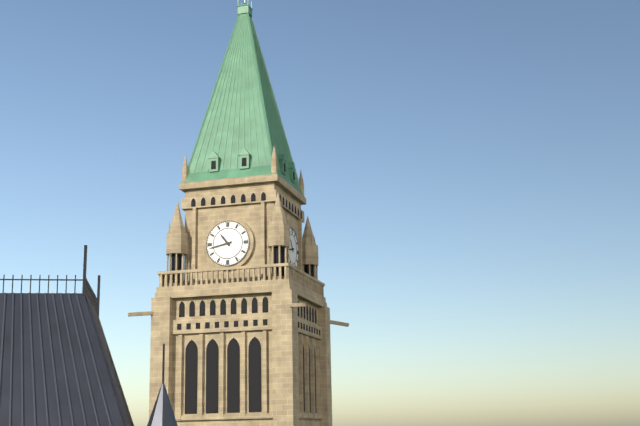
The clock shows 10.43
